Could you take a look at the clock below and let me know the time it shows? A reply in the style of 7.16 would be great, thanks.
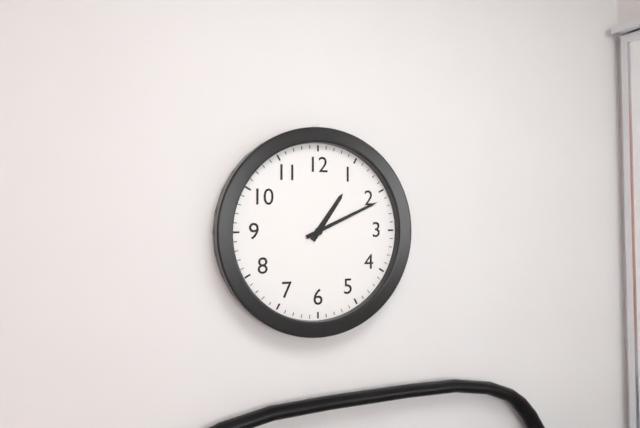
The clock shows 1.11
